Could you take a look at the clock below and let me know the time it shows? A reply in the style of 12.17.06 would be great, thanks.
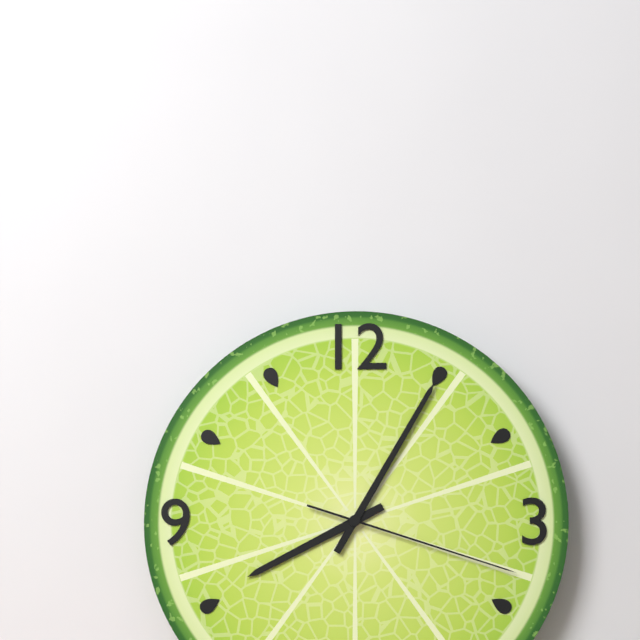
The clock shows 8.05.18
